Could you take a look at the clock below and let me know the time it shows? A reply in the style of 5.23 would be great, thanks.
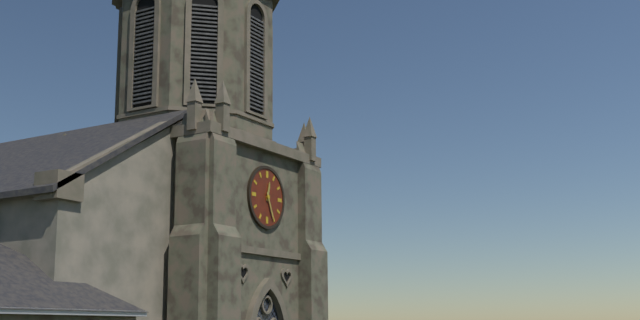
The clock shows 12.26
